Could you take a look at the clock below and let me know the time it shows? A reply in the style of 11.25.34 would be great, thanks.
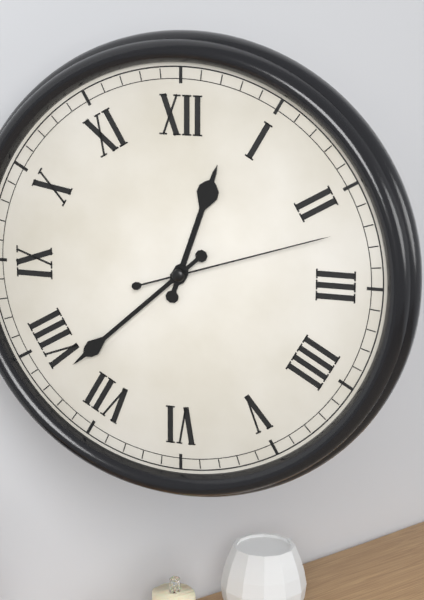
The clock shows 12.38.12
